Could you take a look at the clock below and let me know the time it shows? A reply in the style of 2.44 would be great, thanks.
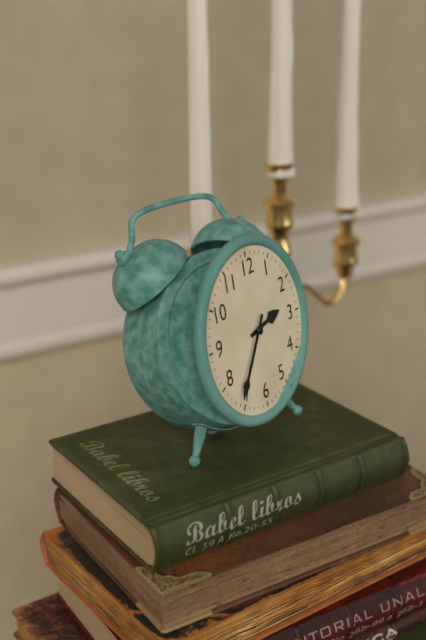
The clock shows 2.36
